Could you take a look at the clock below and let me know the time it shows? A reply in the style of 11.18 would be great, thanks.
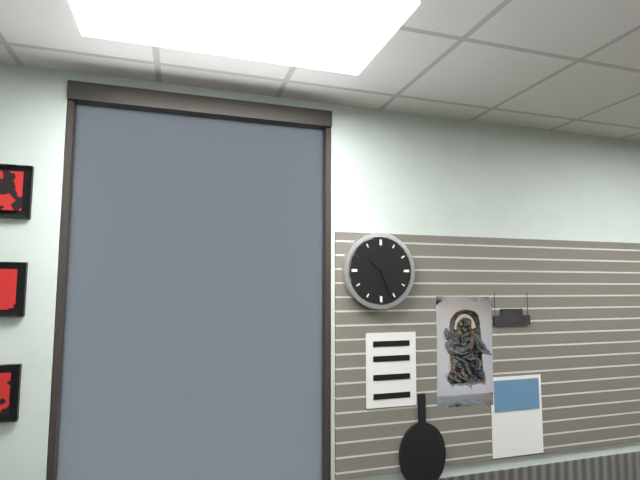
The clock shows 10.26
